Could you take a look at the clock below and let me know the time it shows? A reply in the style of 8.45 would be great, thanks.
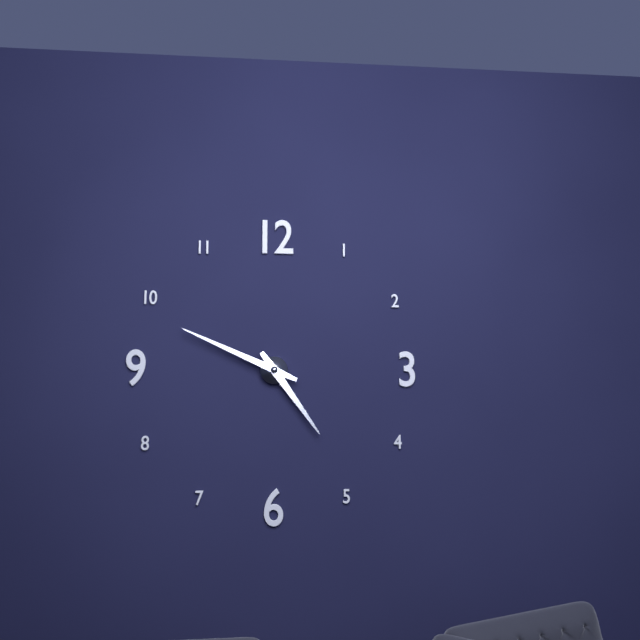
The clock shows 4.49
